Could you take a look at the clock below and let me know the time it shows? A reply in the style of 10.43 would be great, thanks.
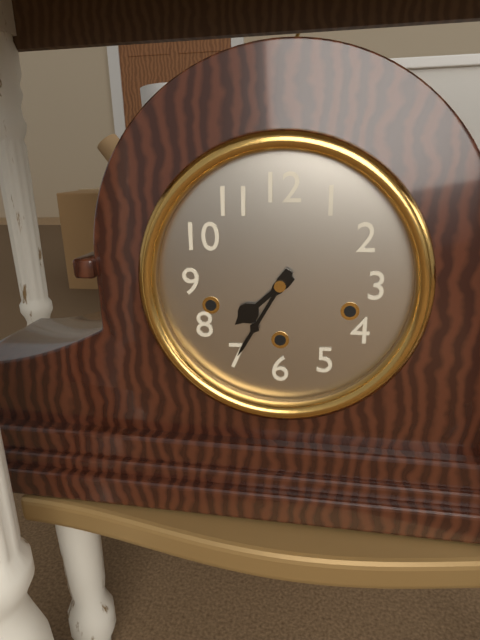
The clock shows 7.35
